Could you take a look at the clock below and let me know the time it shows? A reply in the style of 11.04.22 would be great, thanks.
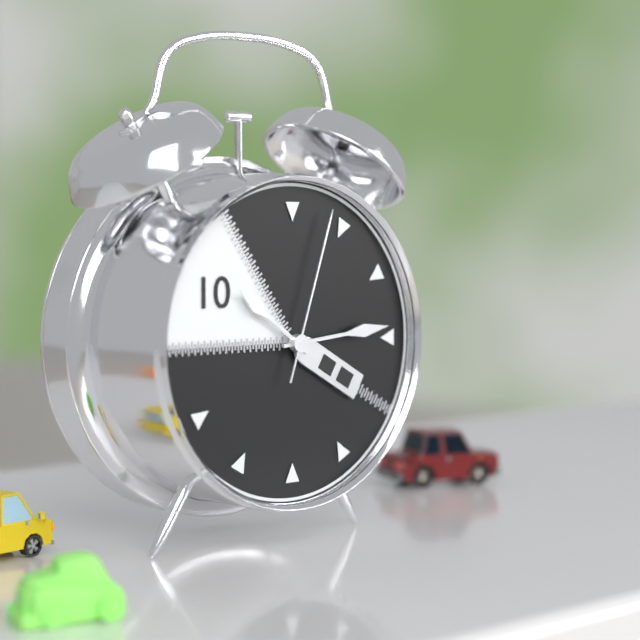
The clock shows 10.14.03
